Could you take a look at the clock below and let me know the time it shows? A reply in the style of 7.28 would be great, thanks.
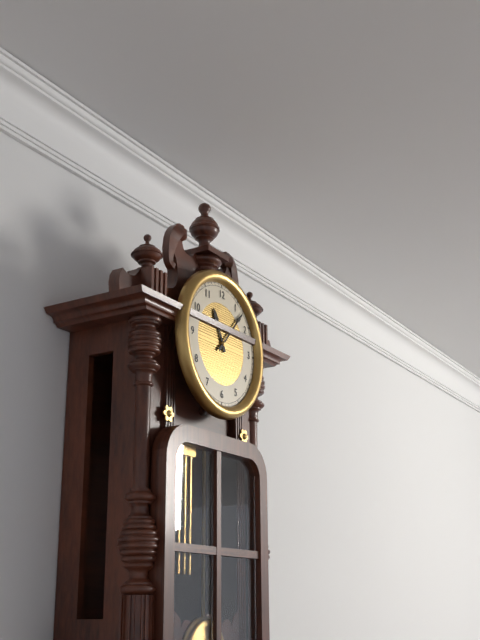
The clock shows 11.07
